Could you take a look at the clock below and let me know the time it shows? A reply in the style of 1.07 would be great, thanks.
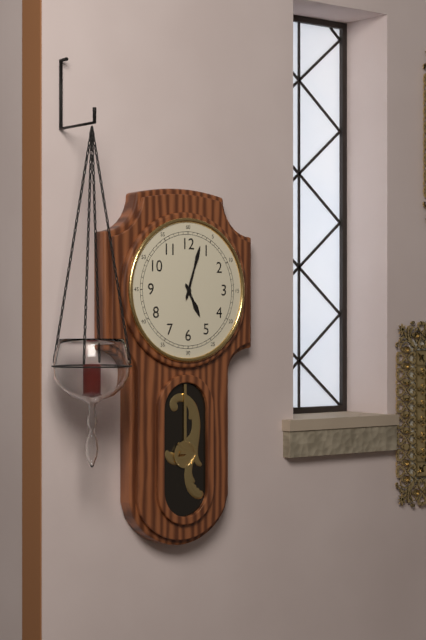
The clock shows 5.03
